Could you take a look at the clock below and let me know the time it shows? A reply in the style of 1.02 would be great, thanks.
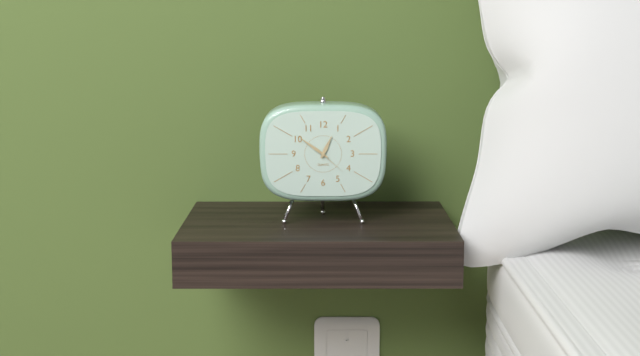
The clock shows 12.51
